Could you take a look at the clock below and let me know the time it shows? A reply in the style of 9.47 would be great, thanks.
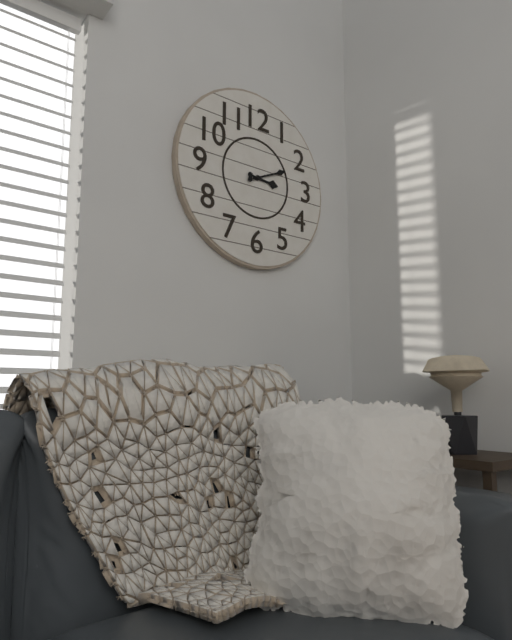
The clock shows 3.11
